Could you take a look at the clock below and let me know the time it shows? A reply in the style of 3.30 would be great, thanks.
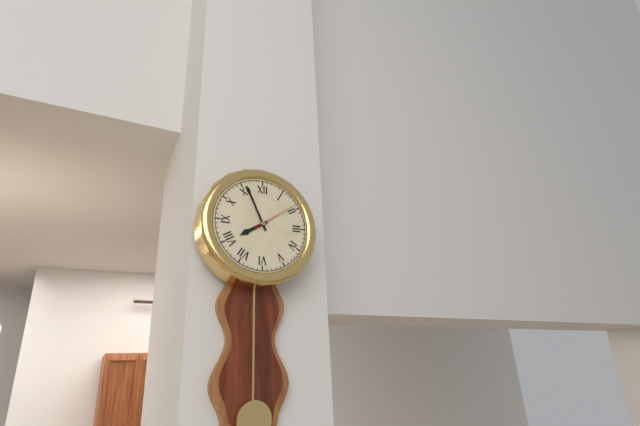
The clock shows 7.56
